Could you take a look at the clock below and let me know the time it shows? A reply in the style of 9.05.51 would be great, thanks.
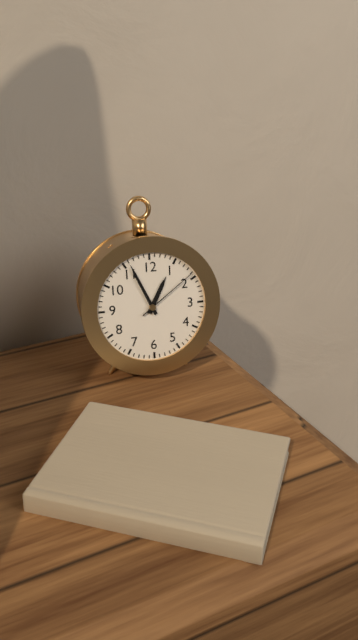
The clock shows 12.56.09
